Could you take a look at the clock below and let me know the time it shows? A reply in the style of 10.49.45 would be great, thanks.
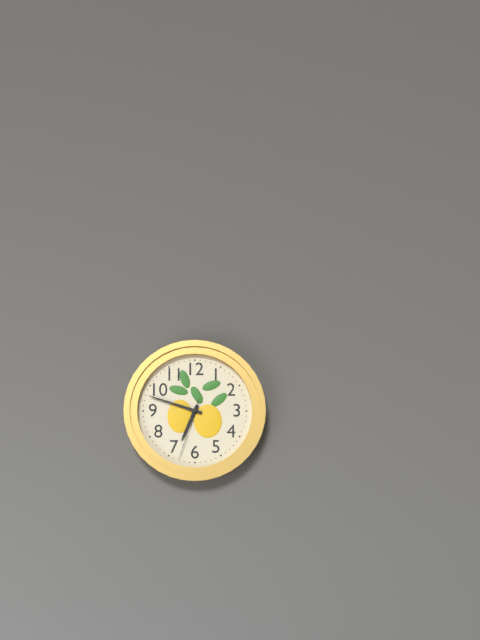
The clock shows 6.48.33
